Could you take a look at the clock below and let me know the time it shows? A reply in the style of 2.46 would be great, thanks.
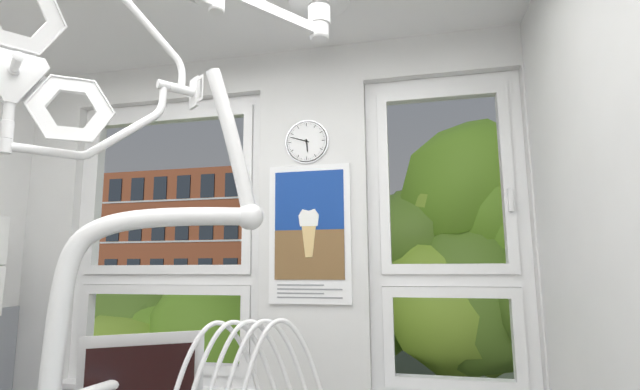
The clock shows 5.48
